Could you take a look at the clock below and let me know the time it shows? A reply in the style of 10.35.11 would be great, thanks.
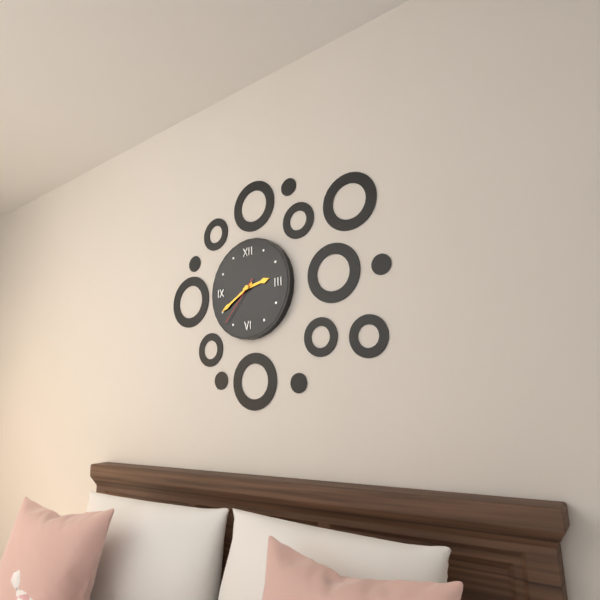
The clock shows 2.40.37
